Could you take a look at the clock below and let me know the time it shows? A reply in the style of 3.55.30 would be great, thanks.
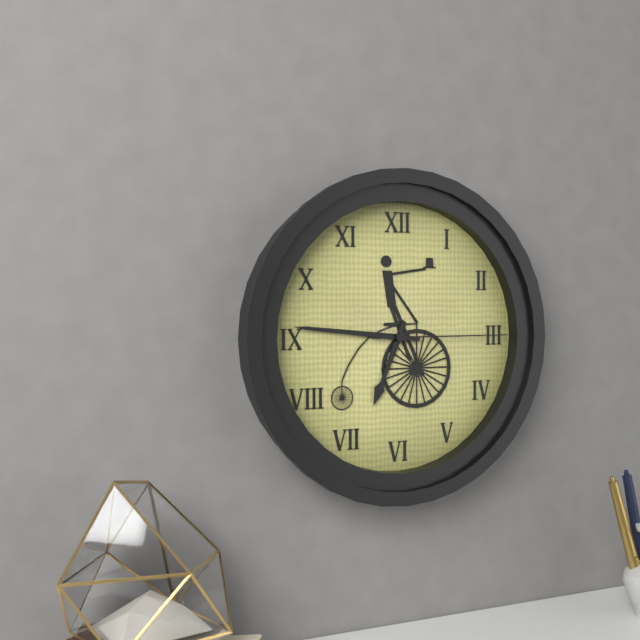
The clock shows 6.46.15
